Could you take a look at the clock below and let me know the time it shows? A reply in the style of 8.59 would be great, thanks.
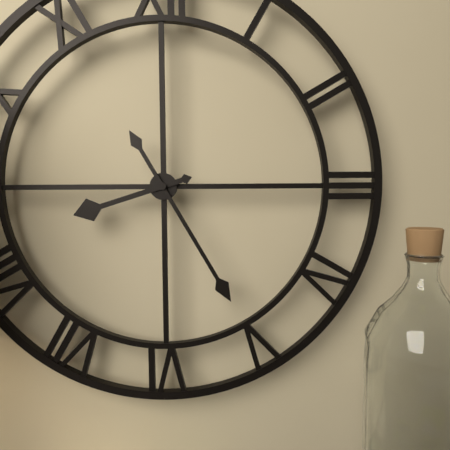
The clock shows 8.25
